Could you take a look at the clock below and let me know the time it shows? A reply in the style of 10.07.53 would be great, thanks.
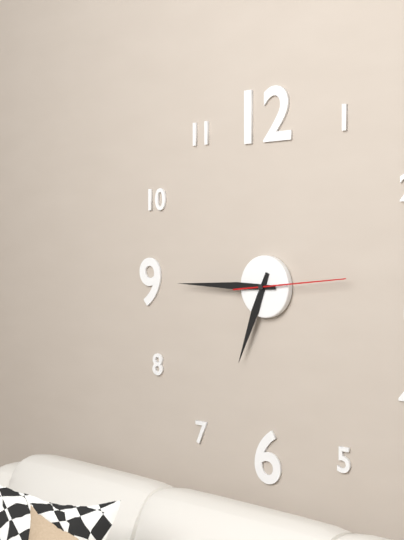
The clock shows 6.45.14
